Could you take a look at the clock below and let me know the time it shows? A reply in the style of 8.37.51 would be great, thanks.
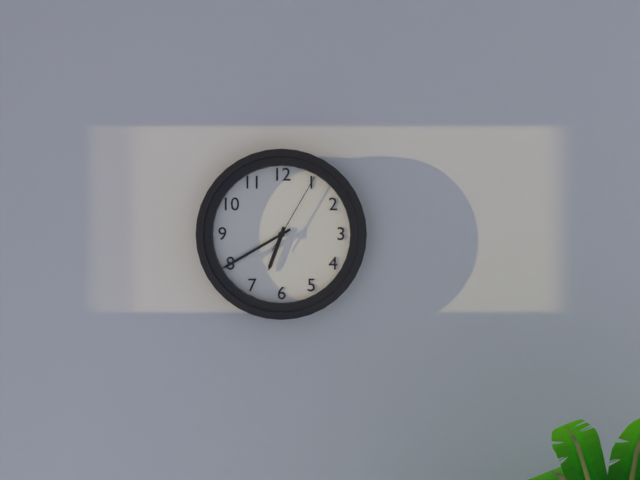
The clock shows 6.40.05
